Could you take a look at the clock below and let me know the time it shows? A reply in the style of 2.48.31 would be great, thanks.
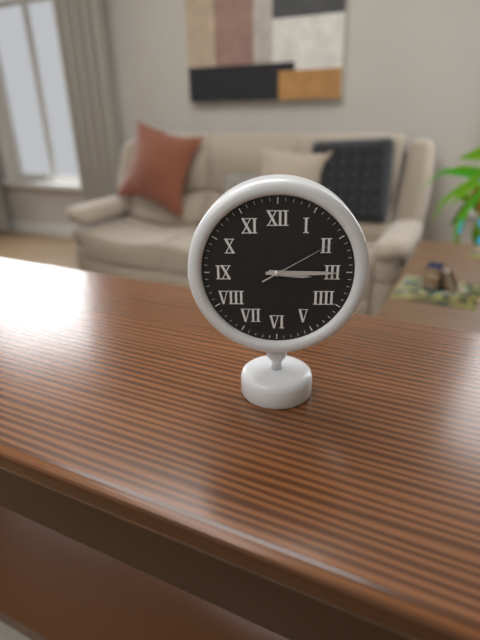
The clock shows 3.15.10
